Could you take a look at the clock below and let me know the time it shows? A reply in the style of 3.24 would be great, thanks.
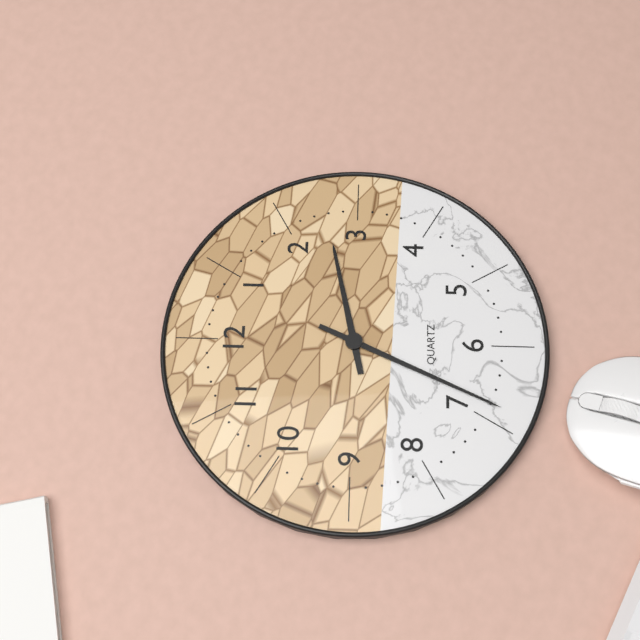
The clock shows 2.34
